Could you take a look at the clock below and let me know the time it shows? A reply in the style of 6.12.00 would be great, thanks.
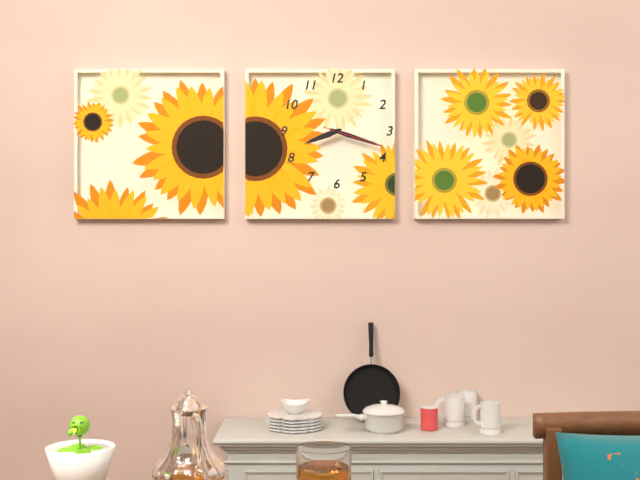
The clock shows 8.18.18
